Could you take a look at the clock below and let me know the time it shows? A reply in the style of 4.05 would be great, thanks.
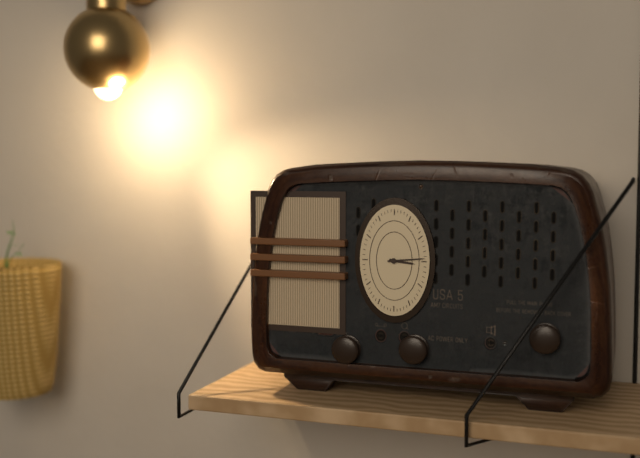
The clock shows 3.14
